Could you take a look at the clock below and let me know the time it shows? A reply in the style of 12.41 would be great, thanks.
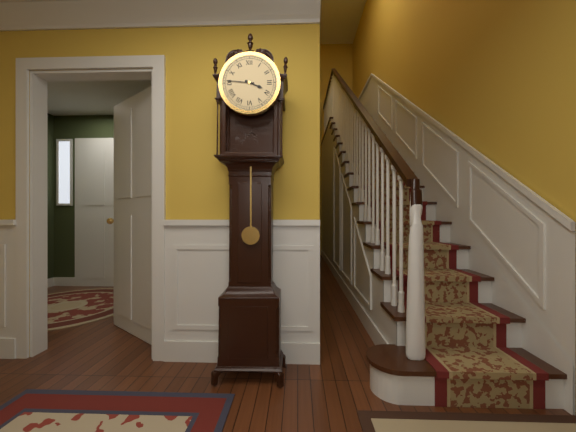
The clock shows 3.46
